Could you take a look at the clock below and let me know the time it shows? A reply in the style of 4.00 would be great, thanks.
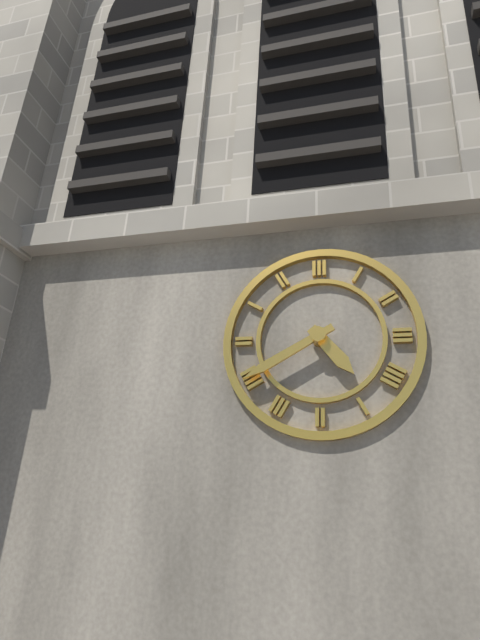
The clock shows 4.40
